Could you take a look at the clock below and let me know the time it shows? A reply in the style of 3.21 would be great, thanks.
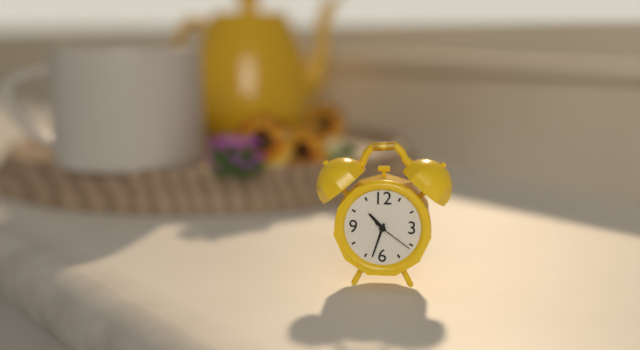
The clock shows 10.33
